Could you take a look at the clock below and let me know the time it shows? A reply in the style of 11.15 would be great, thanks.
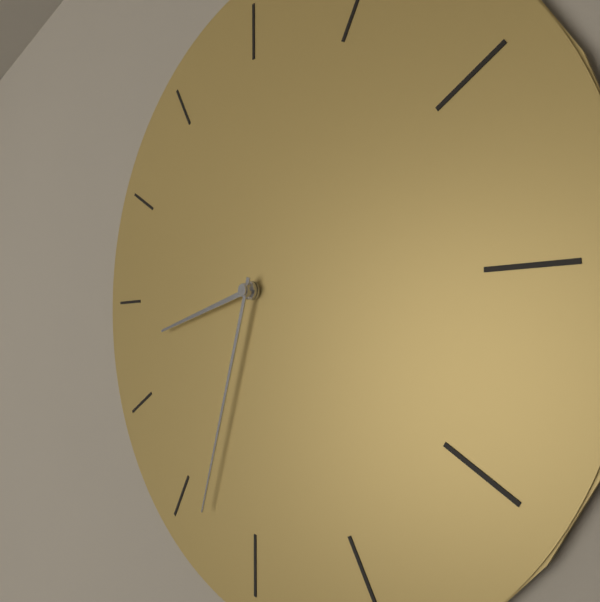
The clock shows 8.33
